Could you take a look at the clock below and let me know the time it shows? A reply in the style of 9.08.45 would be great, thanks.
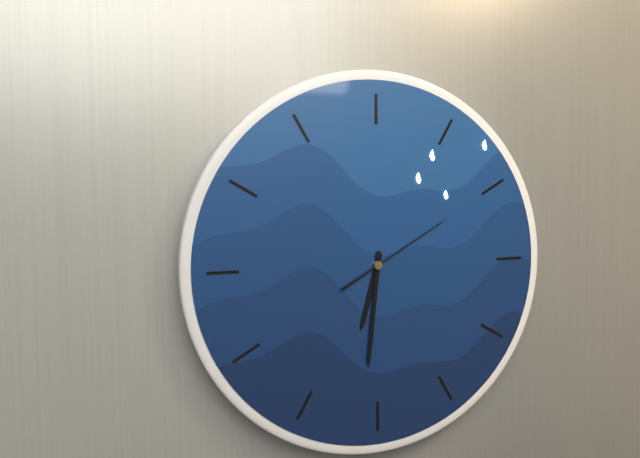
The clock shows 6.31.10
